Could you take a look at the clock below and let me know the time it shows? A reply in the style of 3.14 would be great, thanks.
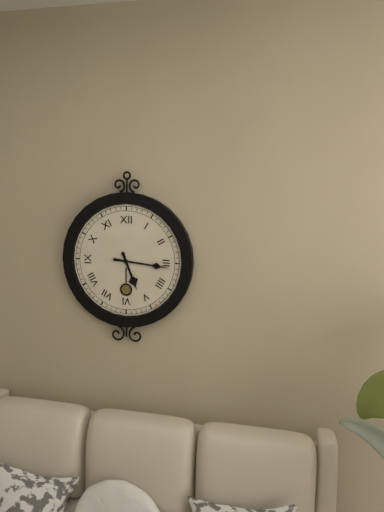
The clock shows 5.16
